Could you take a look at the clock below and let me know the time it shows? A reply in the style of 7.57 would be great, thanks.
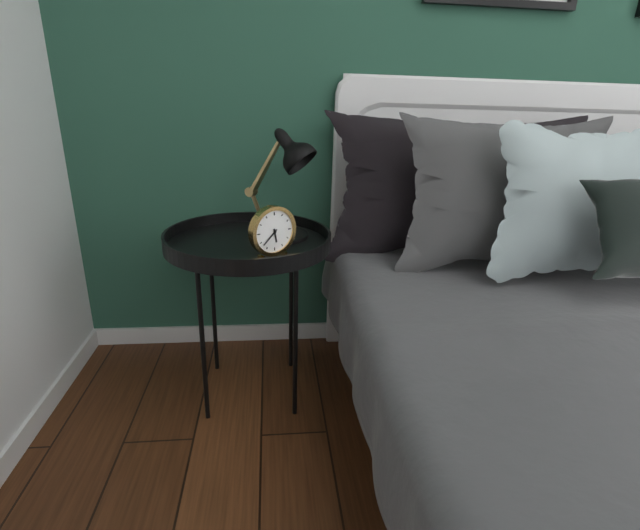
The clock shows 5.38
